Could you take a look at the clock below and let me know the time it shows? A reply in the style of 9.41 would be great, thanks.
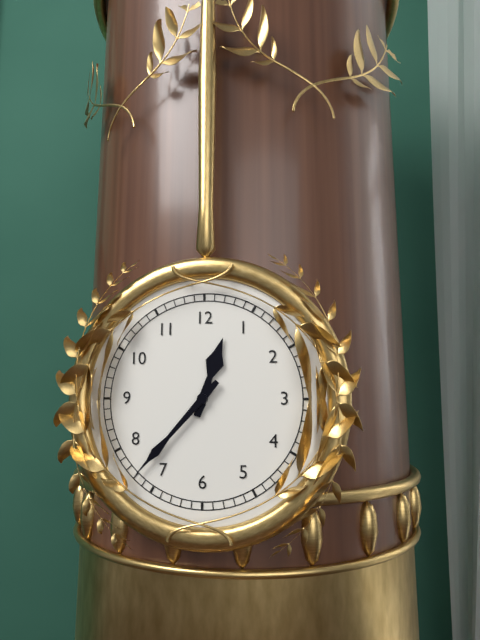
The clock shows 12.37
